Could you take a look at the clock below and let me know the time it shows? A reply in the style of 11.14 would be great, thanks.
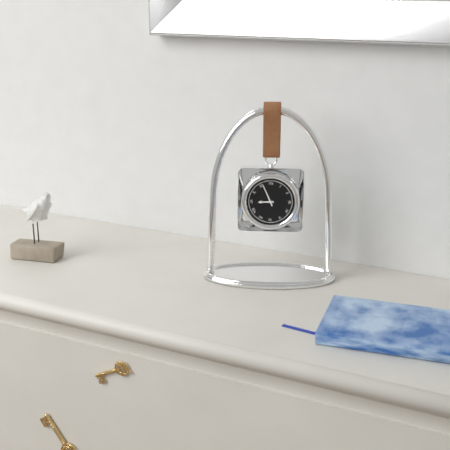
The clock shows 8.56
